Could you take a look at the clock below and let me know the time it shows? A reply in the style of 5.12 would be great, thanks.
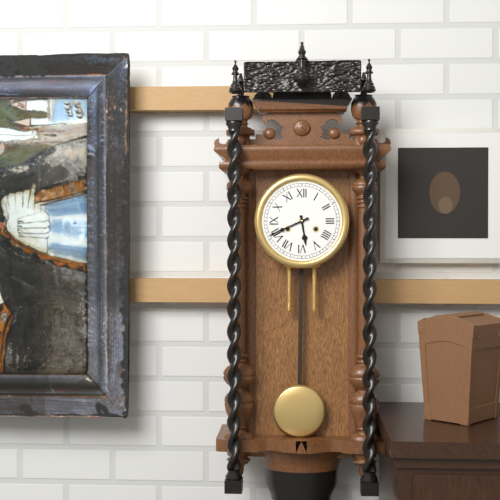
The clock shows 5.41
